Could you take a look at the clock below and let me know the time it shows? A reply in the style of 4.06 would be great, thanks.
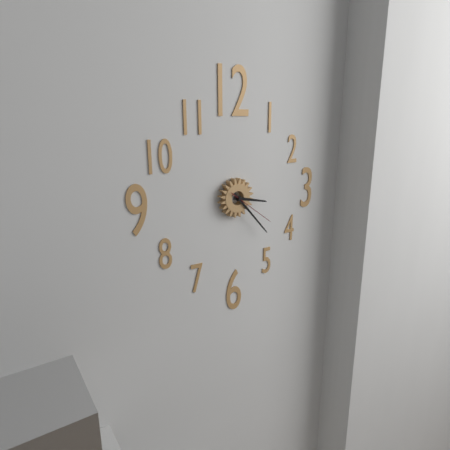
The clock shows 3.23
